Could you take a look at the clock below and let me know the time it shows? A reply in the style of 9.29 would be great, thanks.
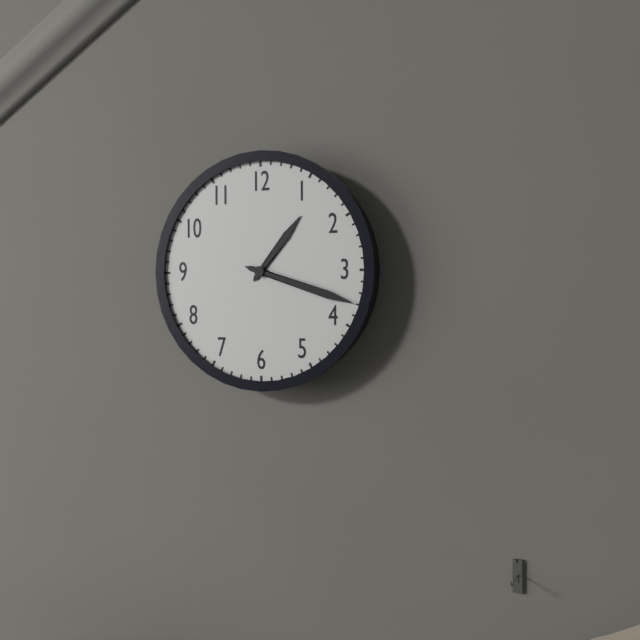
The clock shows 1.18
